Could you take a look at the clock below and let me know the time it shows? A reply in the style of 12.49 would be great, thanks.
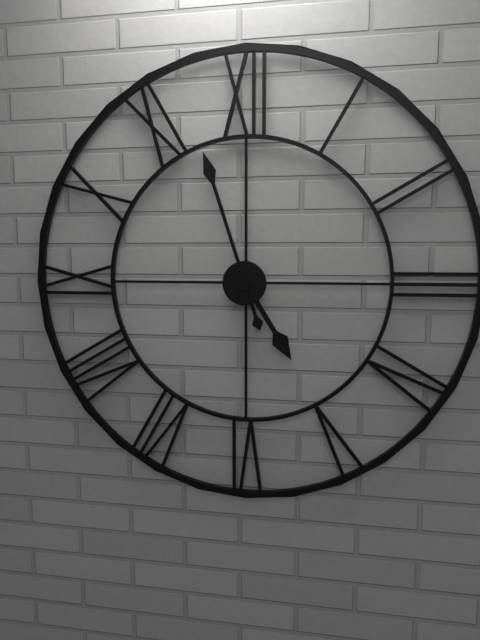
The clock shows 4.57
